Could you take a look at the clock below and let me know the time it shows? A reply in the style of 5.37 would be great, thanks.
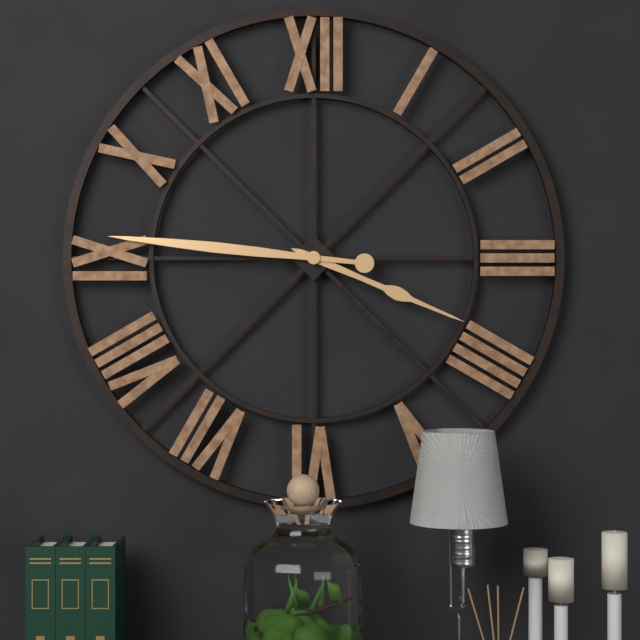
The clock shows 3.46
